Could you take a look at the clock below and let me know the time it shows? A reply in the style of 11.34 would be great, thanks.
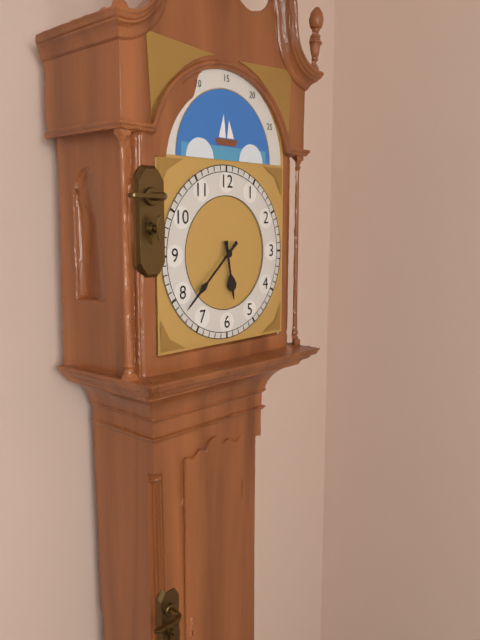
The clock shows 5.38
